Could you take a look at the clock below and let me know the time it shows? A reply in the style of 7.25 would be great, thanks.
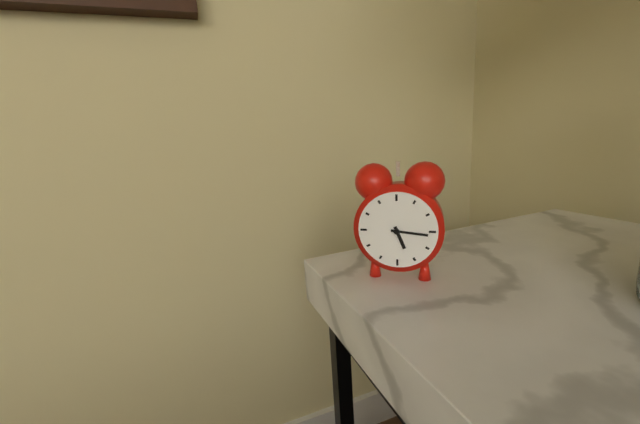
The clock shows 5.16
